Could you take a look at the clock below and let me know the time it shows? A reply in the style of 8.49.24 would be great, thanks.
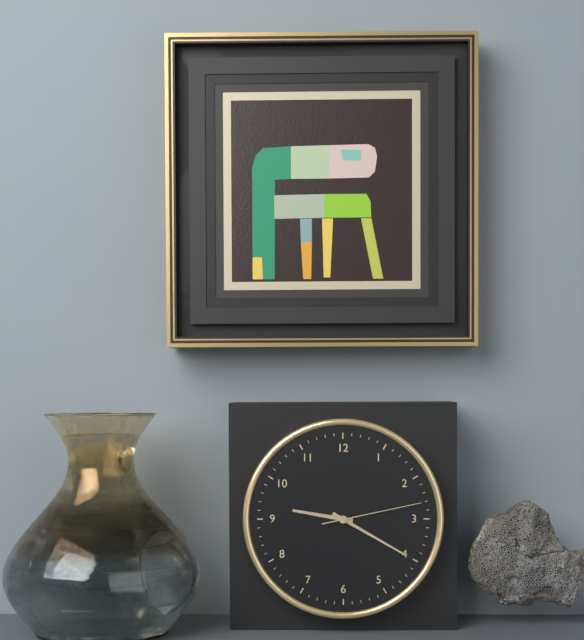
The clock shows 9.20.13
